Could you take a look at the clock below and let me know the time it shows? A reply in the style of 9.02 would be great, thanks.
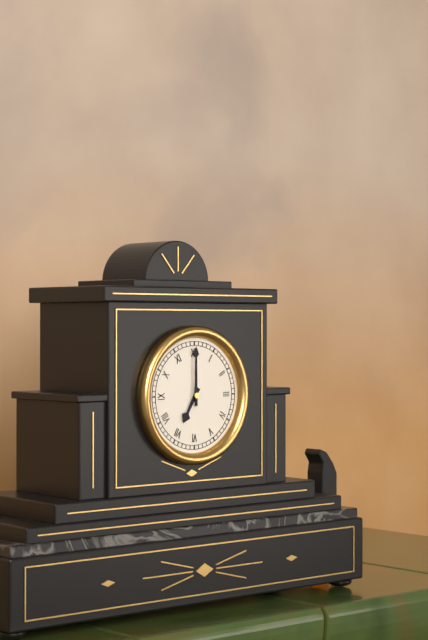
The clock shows 7.00
